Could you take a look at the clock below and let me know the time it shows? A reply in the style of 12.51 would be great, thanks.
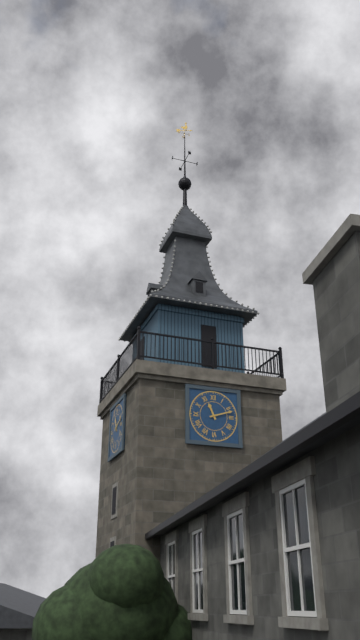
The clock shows 11.12
